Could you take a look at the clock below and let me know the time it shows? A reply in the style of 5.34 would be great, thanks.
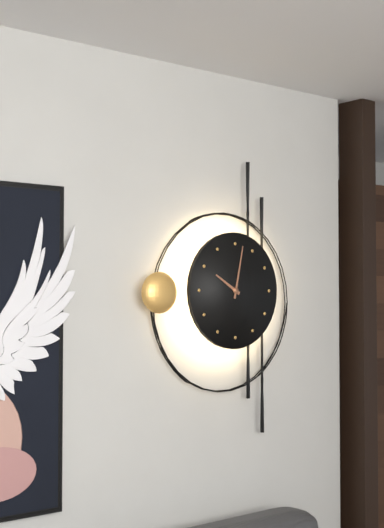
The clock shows 10.02
